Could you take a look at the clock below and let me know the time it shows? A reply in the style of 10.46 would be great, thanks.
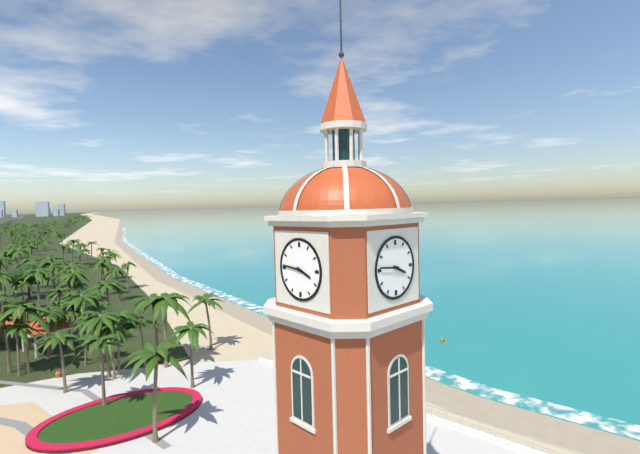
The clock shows 3.46
